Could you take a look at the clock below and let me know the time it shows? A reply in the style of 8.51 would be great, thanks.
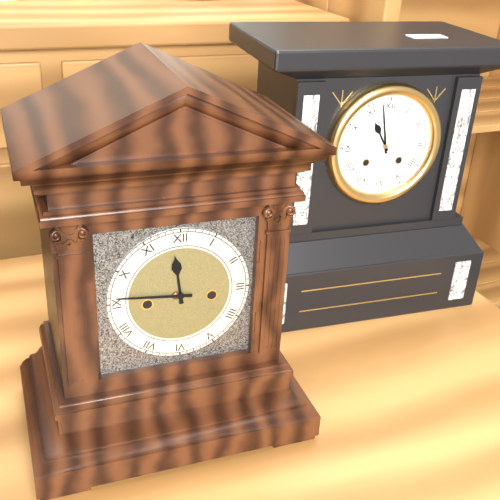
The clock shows 11.46
